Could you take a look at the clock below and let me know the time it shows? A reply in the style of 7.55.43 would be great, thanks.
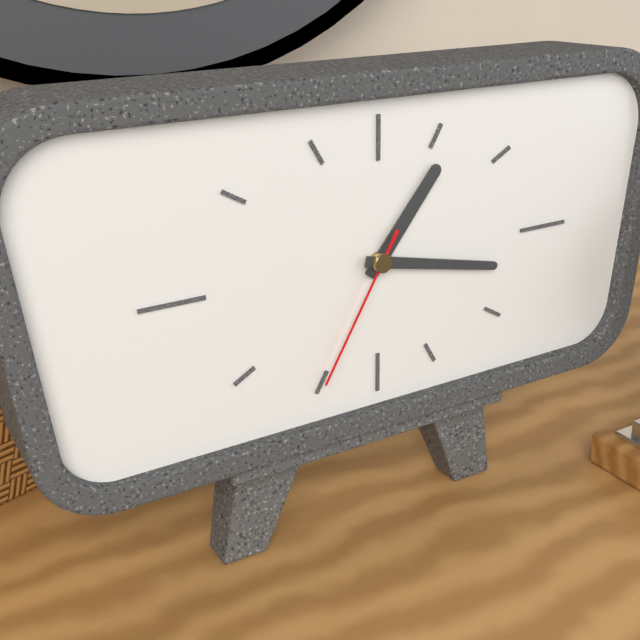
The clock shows 1.17.35
